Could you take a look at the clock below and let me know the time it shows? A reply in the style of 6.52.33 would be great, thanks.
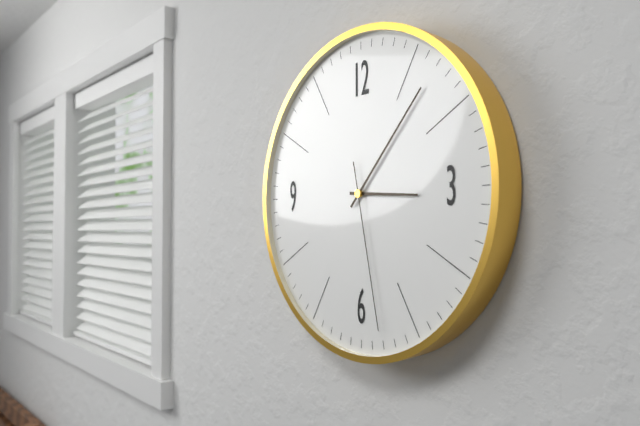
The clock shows 3.07.28
